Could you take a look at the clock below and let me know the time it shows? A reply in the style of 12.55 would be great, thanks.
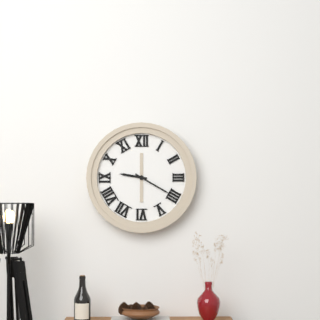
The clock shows 9.20
